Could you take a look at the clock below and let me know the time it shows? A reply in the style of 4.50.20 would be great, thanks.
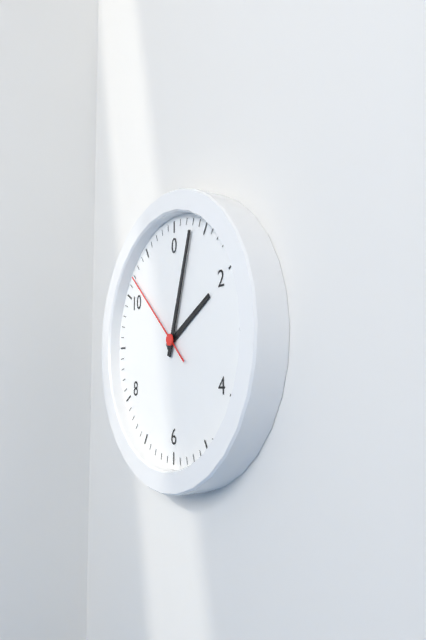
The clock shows 2.03.52
